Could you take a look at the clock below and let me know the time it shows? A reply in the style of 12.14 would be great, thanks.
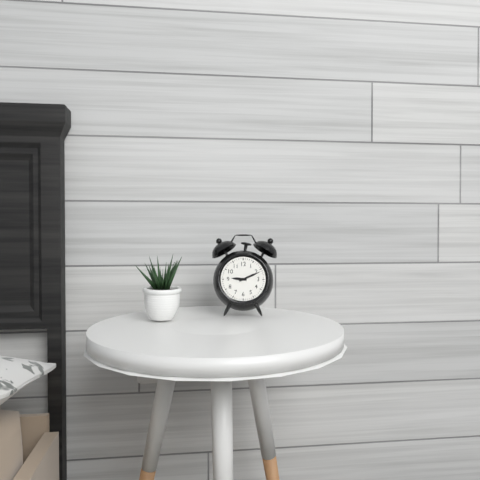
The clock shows 9.11
